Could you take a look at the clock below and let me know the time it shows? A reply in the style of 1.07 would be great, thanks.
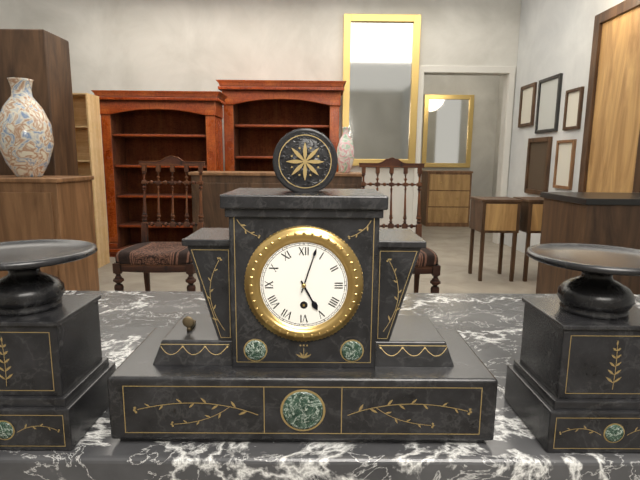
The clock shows 5.03
